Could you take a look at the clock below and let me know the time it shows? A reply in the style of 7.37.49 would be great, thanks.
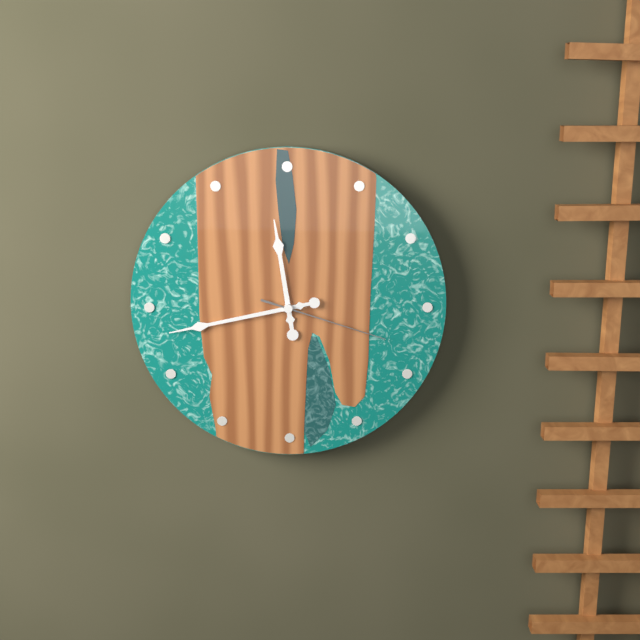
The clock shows 11.43.18
